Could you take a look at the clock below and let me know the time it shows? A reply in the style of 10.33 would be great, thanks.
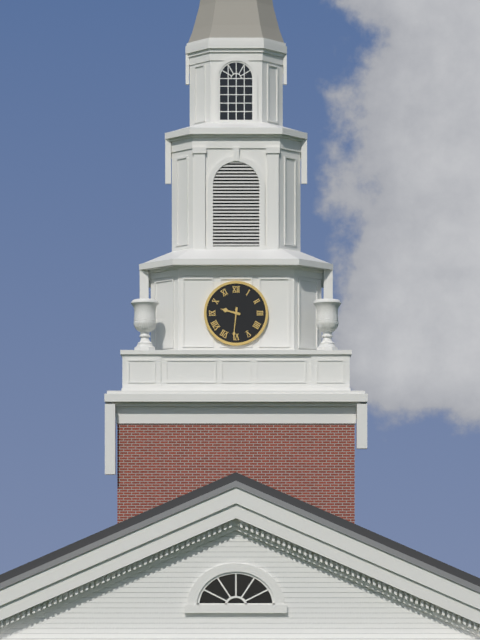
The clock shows 9.31
